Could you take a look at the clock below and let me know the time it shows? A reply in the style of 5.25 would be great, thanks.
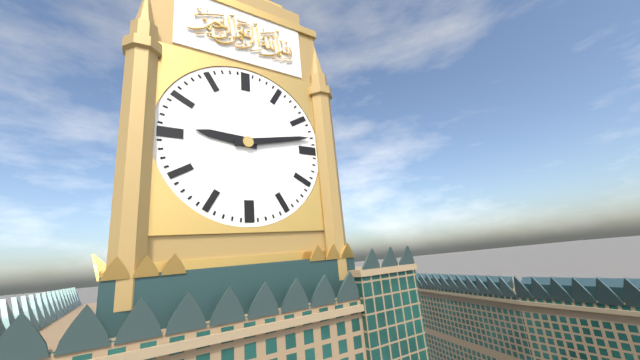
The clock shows 9.13
